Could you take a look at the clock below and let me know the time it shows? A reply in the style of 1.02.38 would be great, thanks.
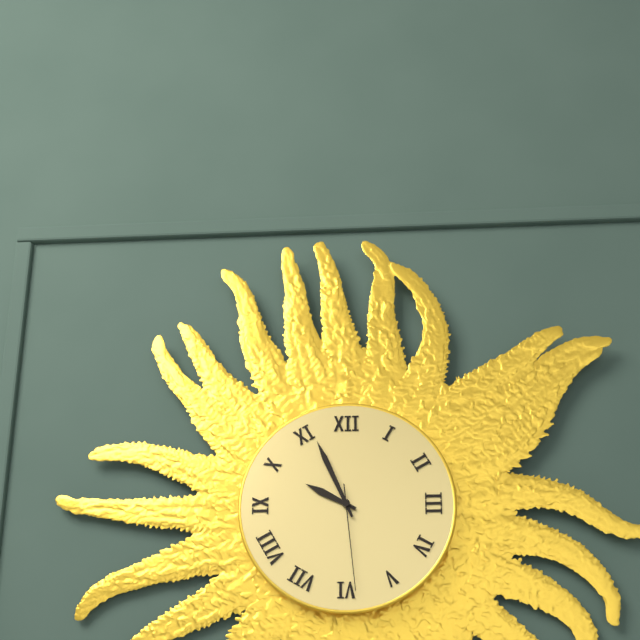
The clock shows 9.56.29
